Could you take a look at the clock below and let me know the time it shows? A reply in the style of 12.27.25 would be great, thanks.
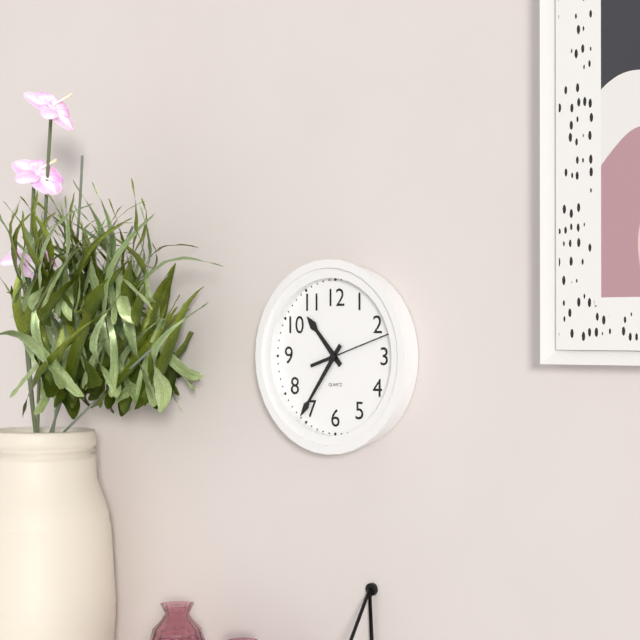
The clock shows 10.36.12
